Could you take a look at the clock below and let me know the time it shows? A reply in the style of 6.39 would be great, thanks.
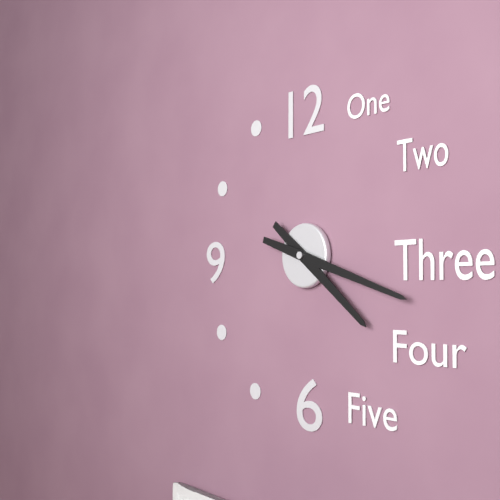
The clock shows 4.18
